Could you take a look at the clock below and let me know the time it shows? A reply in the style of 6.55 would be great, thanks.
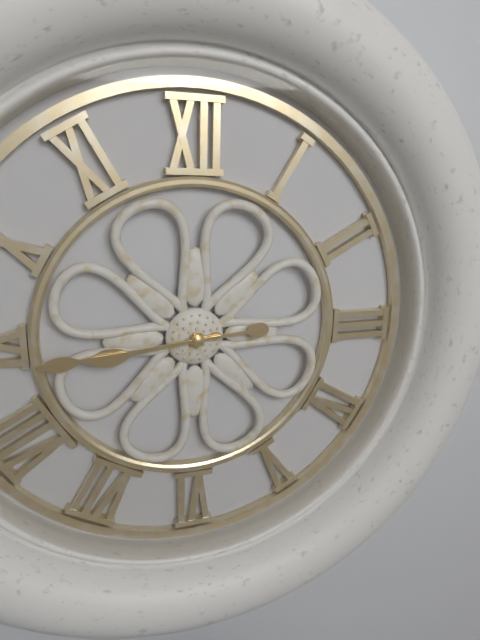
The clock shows 8.44
